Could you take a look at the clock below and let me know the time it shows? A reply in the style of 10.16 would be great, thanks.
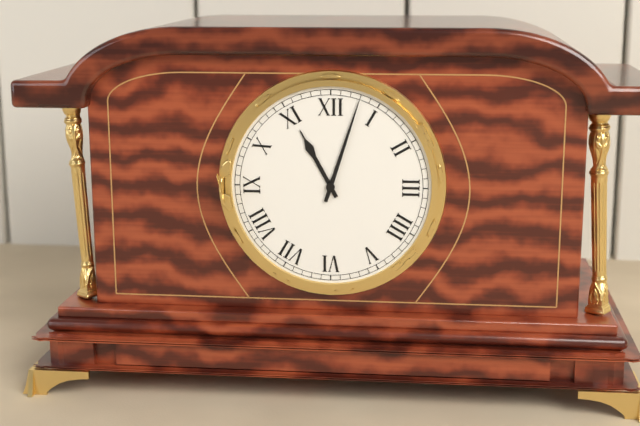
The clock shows 11.03
